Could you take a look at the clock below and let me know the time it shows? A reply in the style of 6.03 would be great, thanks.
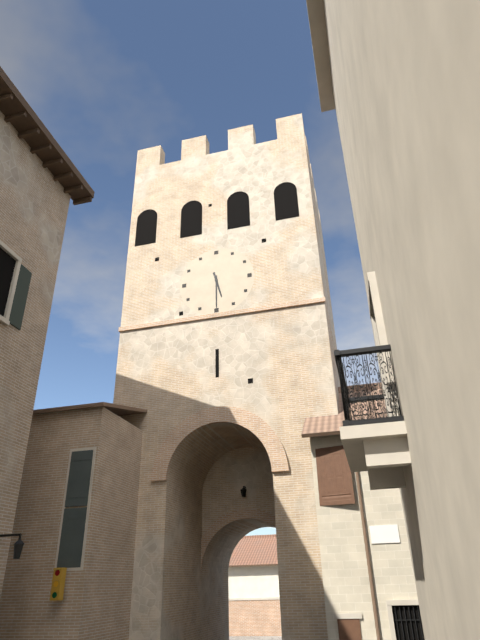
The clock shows 5.30
